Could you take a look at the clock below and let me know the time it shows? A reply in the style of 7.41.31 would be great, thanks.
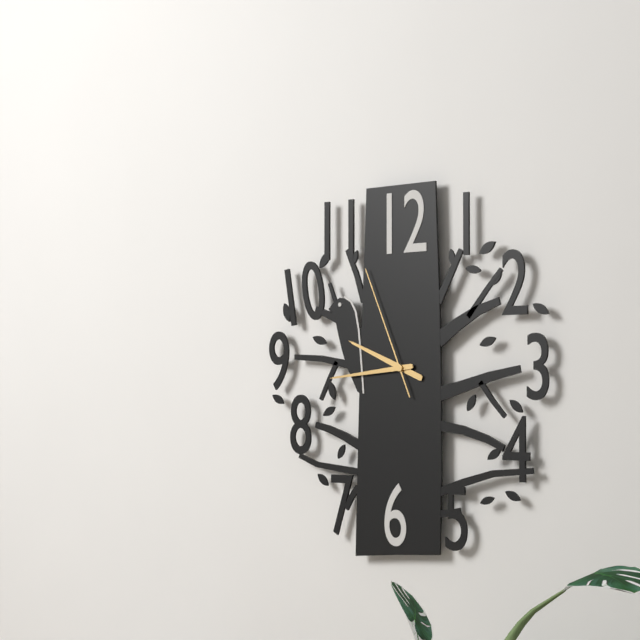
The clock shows 9.44.56
